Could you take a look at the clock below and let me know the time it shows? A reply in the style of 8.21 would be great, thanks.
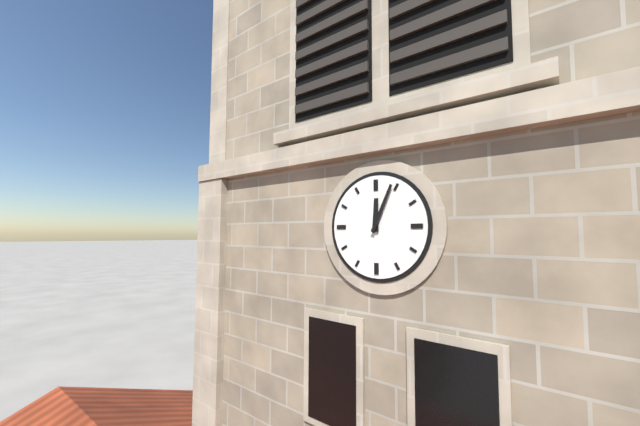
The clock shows 12.04
